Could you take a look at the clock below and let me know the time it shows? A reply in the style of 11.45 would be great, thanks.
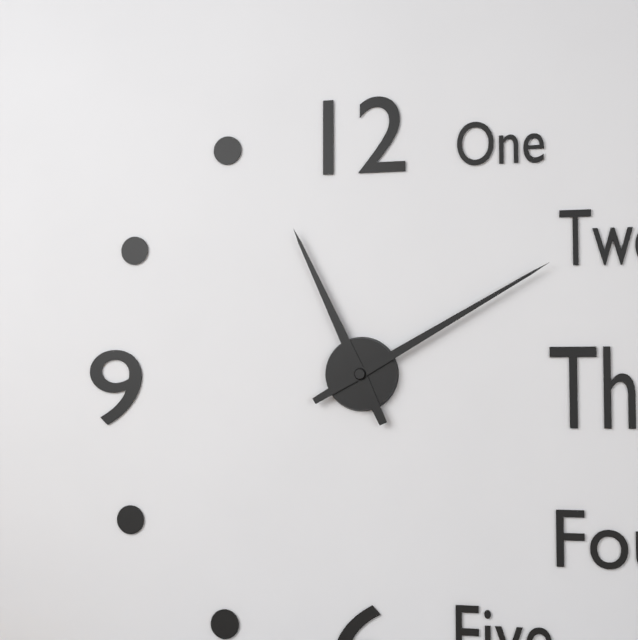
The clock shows 11.10
